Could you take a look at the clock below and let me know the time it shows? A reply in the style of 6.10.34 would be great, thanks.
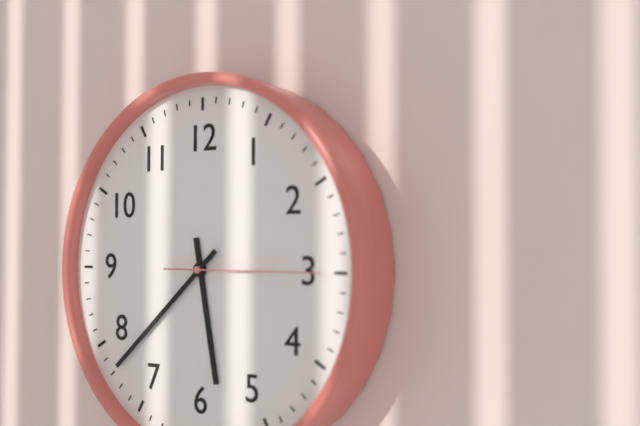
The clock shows 5.38.15
